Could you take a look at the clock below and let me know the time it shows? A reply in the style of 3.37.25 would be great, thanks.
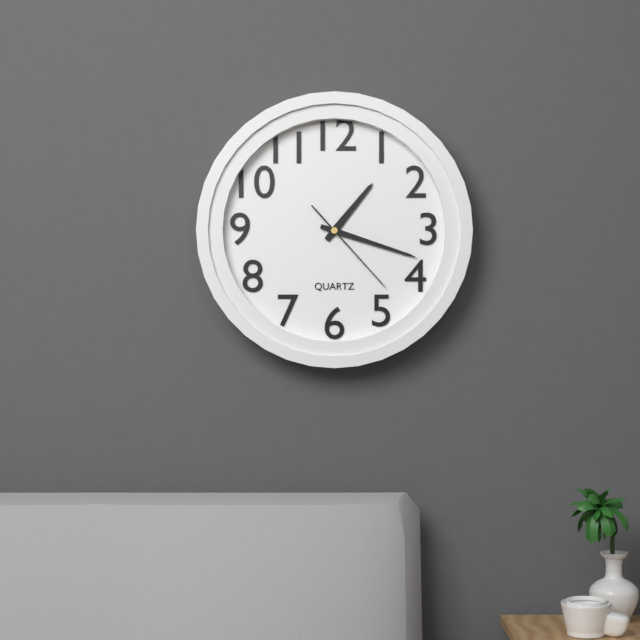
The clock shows 1.18.23
